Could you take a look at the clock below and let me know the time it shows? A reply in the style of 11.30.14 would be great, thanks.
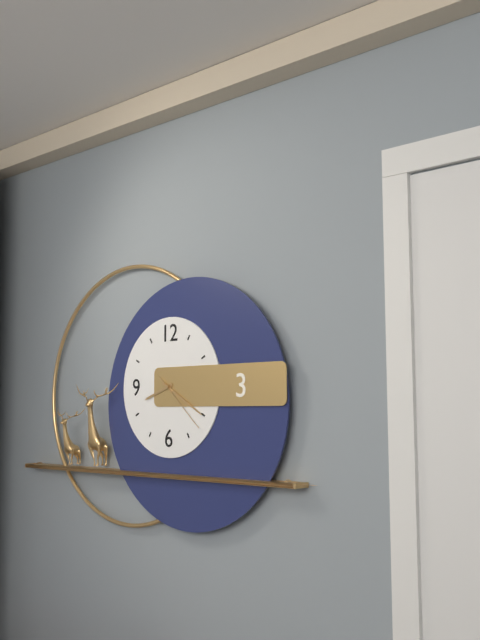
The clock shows 8.20.22
